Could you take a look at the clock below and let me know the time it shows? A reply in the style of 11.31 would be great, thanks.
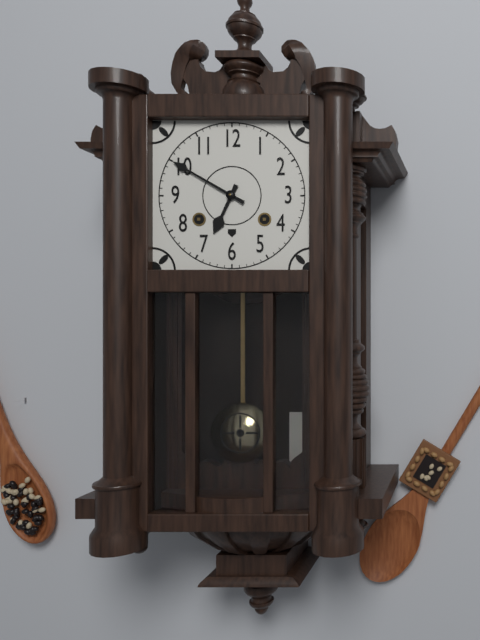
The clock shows 6.50
